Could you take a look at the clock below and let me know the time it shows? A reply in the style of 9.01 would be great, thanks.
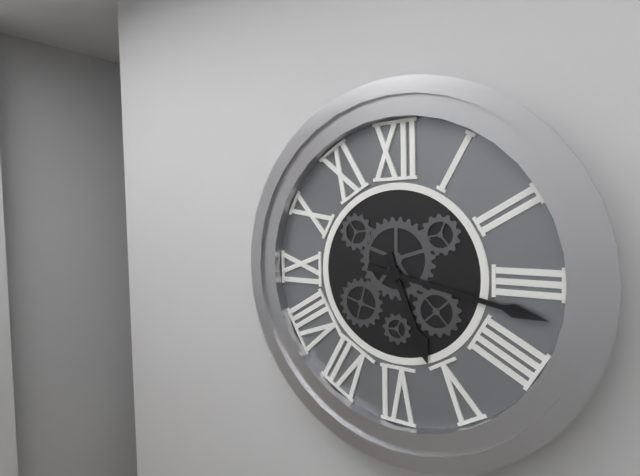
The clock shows 5.17
